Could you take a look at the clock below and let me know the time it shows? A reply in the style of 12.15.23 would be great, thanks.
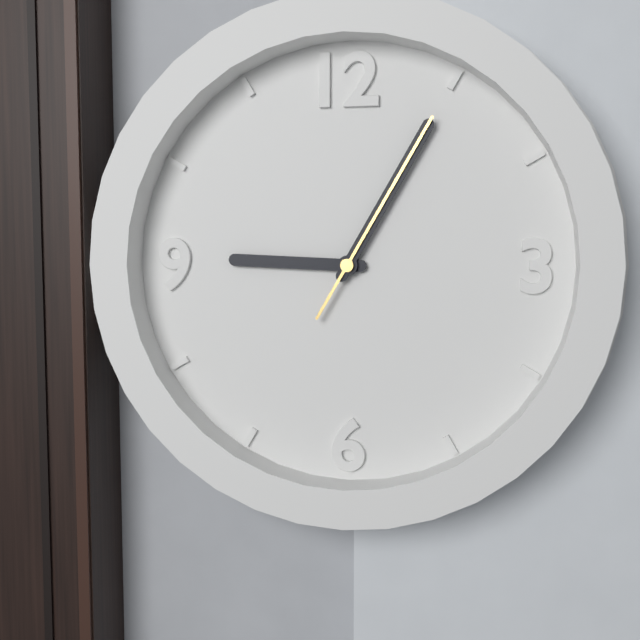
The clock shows 9.05.05
